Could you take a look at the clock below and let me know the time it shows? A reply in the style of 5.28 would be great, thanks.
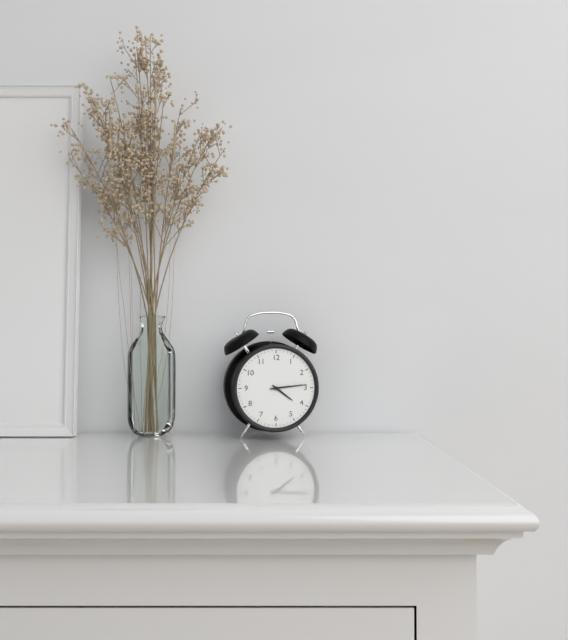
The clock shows 4.14
